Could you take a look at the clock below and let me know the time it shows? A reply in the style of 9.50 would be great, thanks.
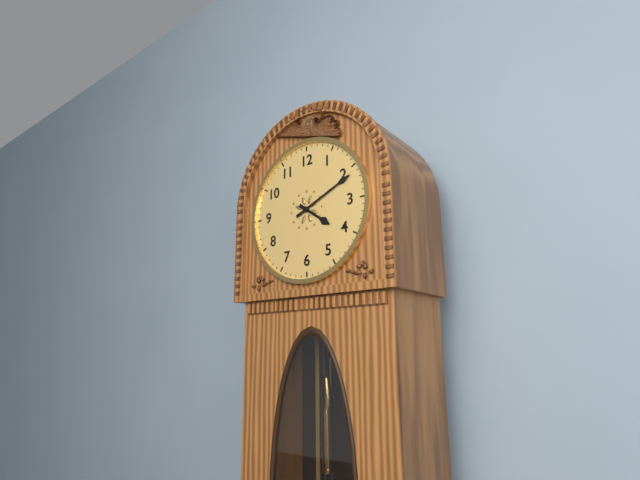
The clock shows 4.11
